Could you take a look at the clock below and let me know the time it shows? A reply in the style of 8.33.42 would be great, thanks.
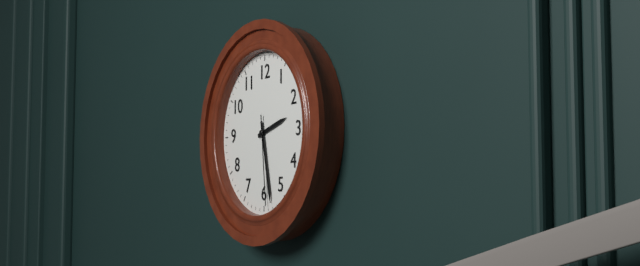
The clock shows 2.28.29
